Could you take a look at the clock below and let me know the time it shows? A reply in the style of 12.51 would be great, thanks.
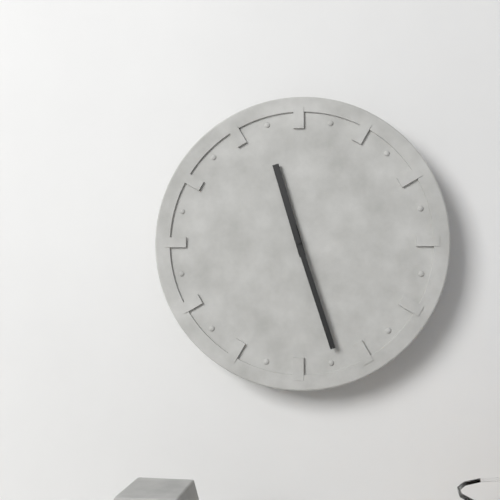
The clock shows 11.27
